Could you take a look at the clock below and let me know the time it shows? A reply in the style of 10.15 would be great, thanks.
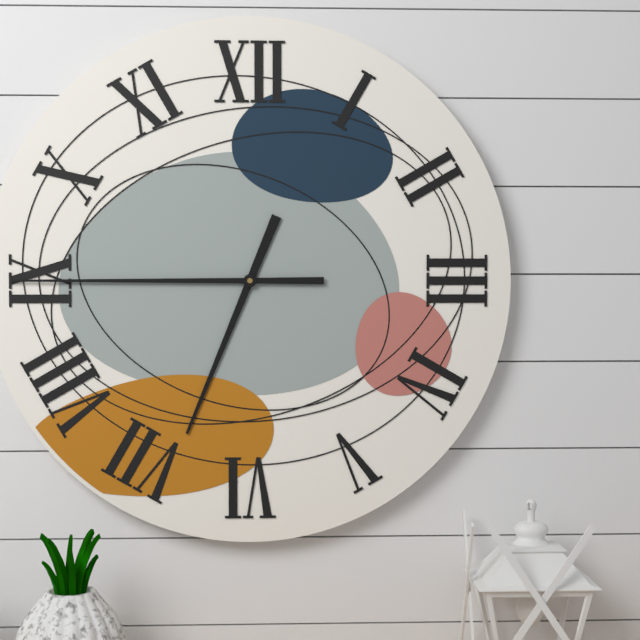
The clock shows 6.45
